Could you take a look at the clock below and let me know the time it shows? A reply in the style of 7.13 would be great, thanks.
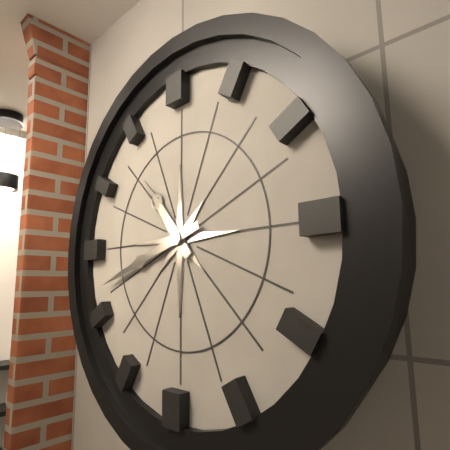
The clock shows 10.42
